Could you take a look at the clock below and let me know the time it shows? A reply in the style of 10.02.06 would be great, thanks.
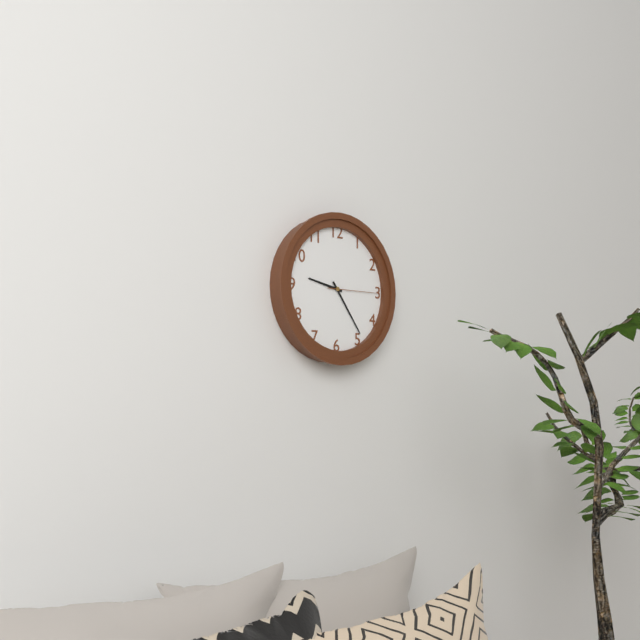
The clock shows 9.24.15
